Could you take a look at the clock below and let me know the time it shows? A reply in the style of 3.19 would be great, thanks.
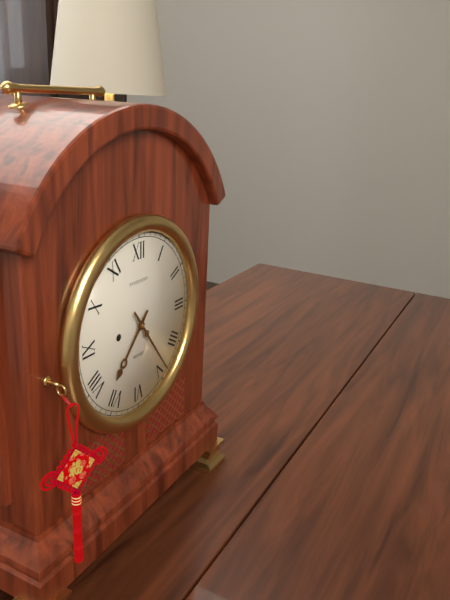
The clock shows 7.24
